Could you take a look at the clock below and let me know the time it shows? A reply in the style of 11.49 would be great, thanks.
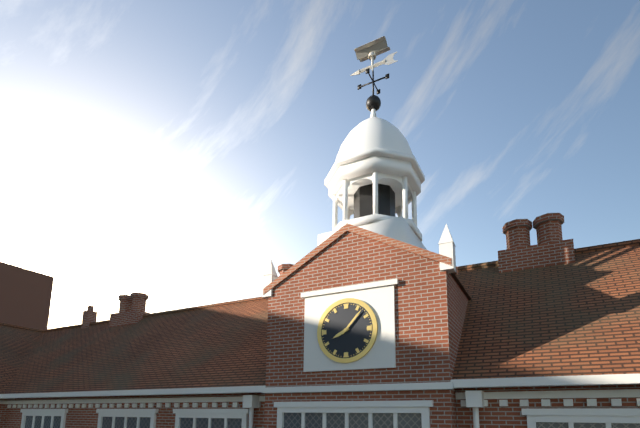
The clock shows 8.07
